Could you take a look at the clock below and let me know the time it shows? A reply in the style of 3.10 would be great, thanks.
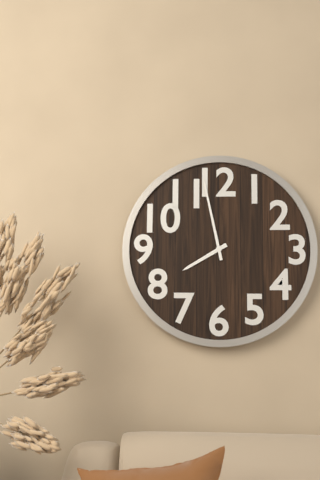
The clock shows 7.58
